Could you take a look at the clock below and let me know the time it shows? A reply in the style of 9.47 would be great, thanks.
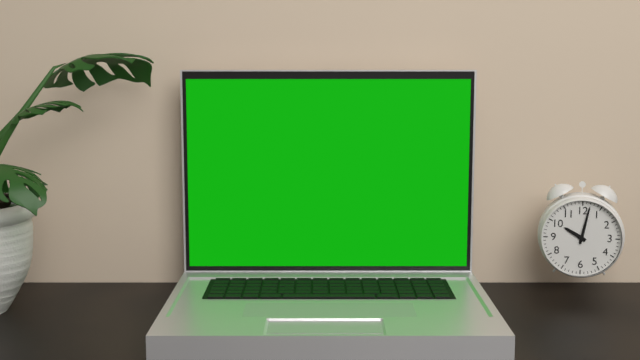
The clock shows 10.02
